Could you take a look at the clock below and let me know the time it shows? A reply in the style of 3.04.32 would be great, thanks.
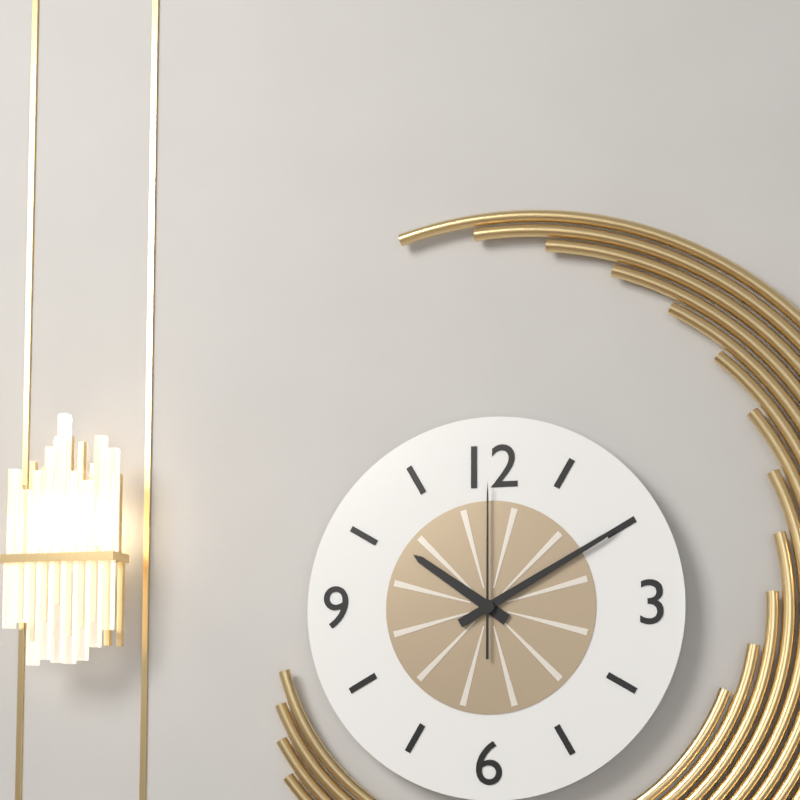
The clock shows 10.10.00
